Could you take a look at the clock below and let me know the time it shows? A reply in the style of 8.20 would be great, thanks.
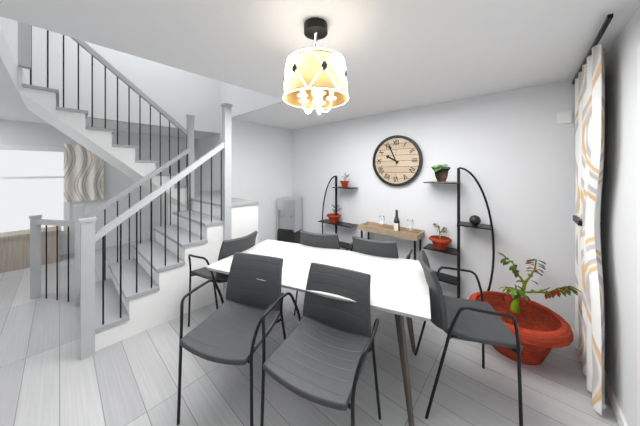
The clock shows 9.56
